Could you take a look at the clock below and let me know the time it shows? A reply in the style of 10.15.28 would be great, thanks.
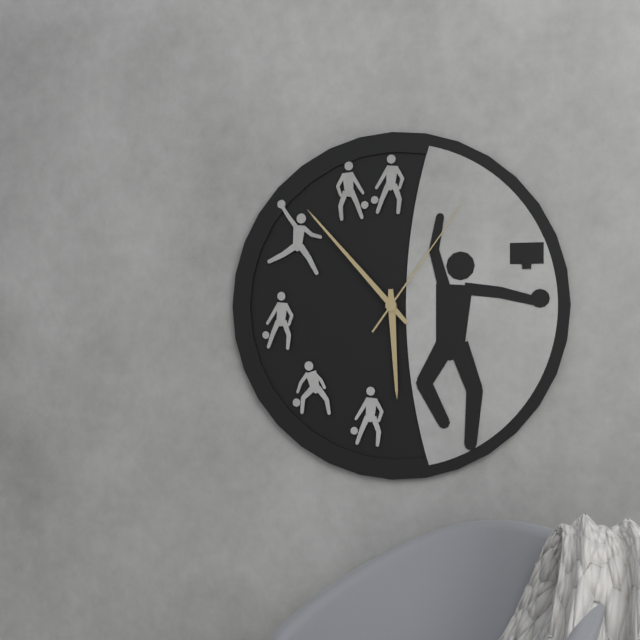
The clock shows 5.53.06
